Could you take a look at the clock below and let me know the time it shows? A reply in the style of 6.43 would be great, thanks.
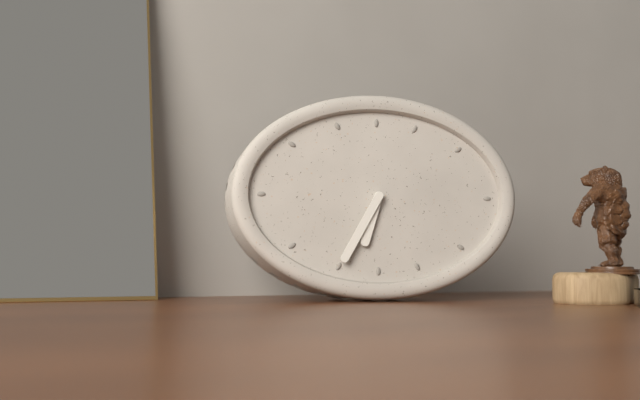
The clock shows 6.35
